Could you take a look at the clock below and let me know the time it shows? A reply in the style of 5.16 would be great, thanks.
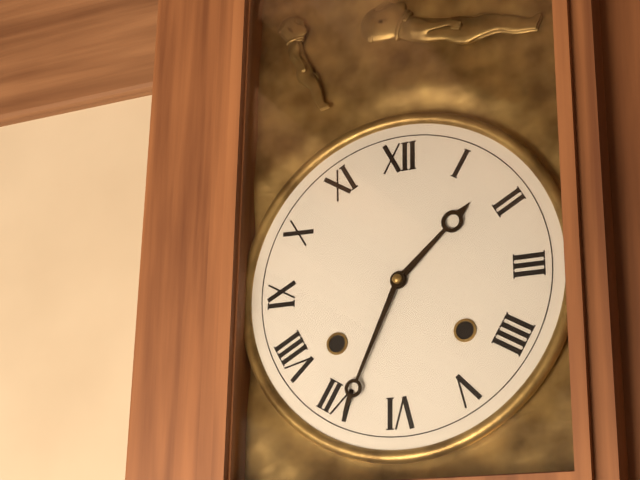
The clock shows 1.34
